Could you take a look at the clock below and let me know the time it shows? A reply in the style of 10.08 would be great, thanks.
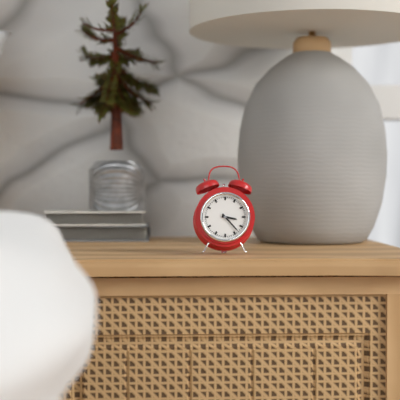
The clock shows 3.23
